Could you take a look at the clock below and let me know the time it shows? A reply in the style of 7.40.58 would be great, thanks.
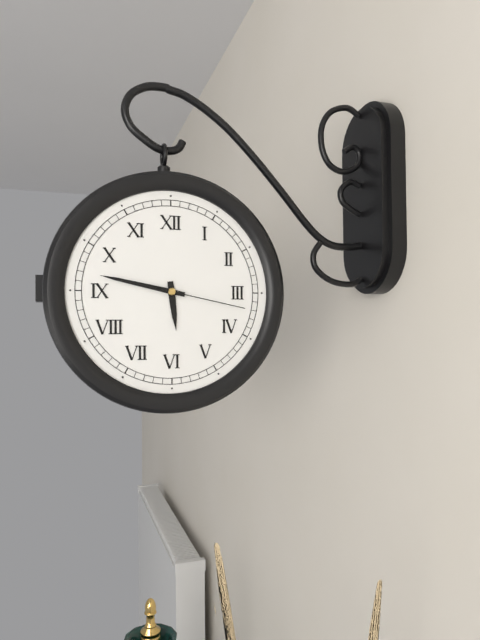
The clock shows 5.47.17
